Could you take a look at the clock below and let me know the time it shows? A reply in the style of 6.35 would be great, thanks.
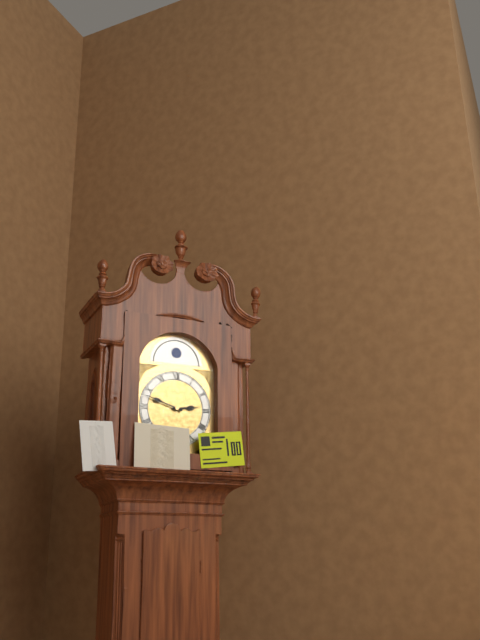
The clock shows 2.48
